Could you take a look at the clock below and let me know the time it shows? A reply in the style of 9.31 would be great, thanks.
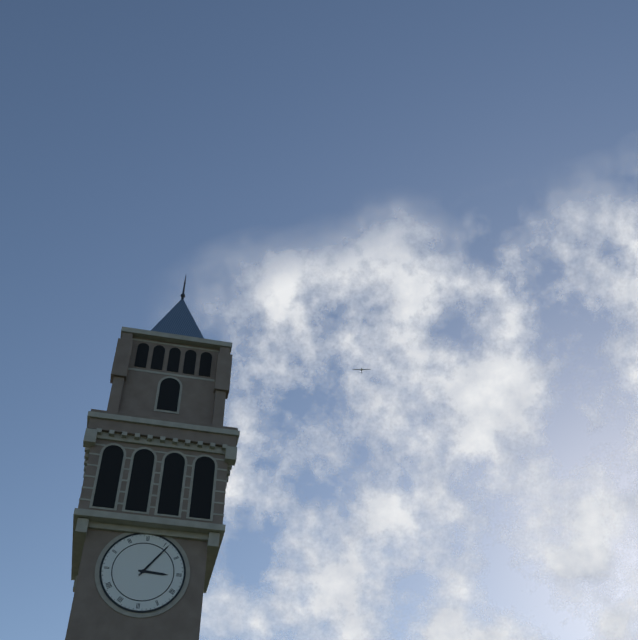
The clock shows 3.06
